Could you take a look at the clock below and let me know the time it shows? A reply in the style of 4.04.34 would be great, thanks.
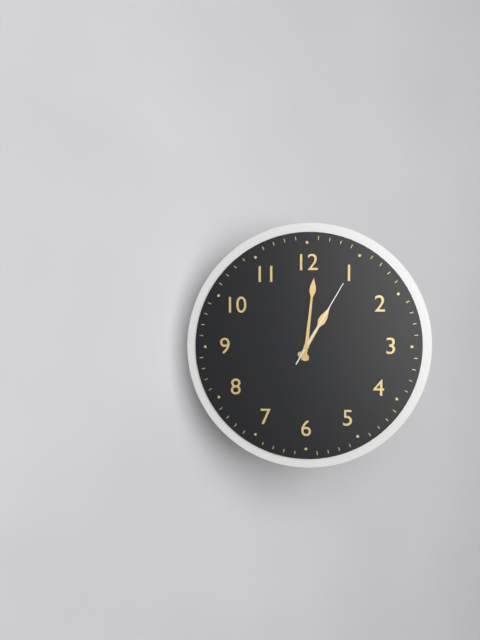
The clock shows 1.01.05
